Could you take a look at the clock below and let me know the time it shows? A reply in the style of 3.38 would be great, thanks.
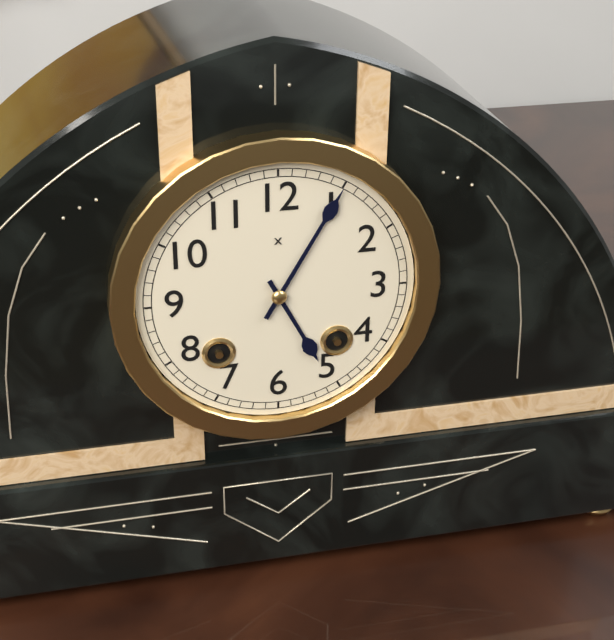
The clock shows 5.05
